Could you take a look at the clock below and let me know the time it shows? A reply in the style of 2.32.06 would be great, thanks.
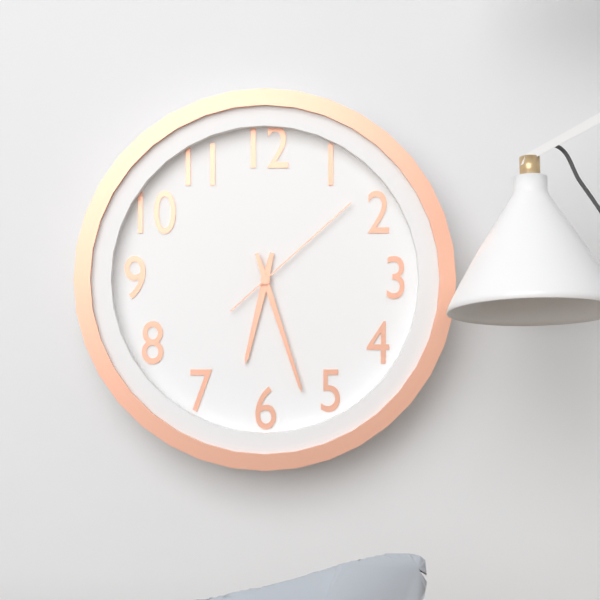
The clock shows 6.27.08
